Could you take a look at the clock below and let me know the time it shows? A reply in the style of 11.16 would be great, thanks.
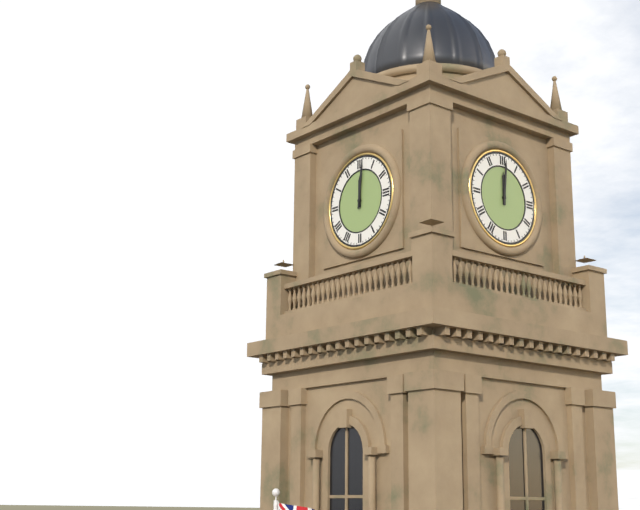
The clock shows 12.01
